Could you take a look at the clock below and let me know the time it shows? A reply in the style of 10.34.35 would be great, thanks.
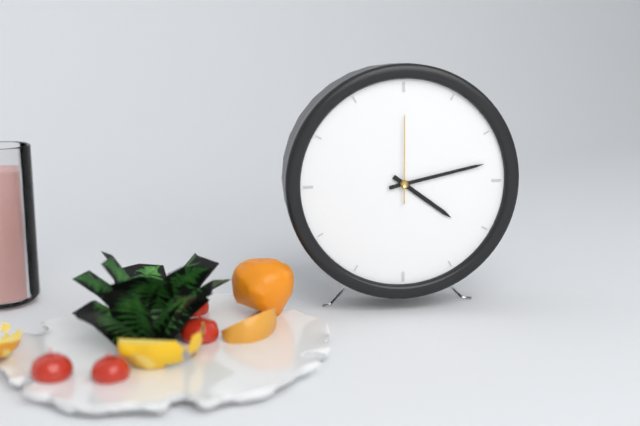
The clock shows 4.13.00
